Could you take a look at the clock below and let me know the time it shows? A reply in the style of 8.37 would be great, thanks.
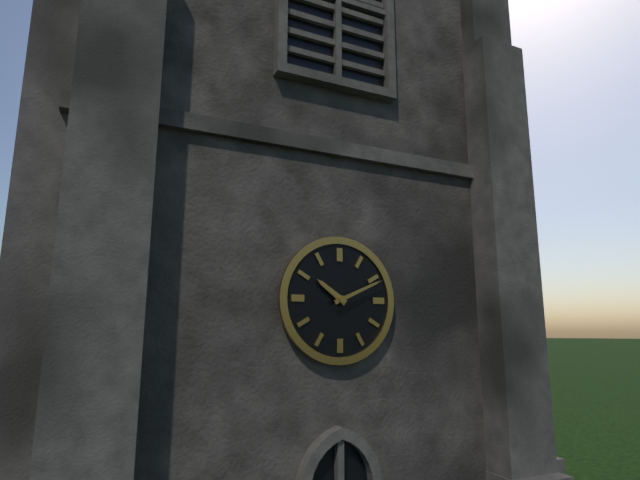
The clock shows 10.11
